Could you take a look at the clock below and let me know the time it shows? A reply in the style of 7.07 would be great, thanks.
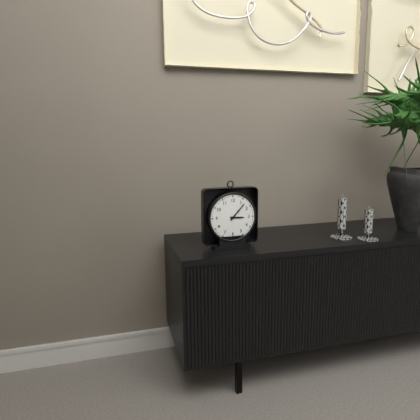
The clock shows 3.07
